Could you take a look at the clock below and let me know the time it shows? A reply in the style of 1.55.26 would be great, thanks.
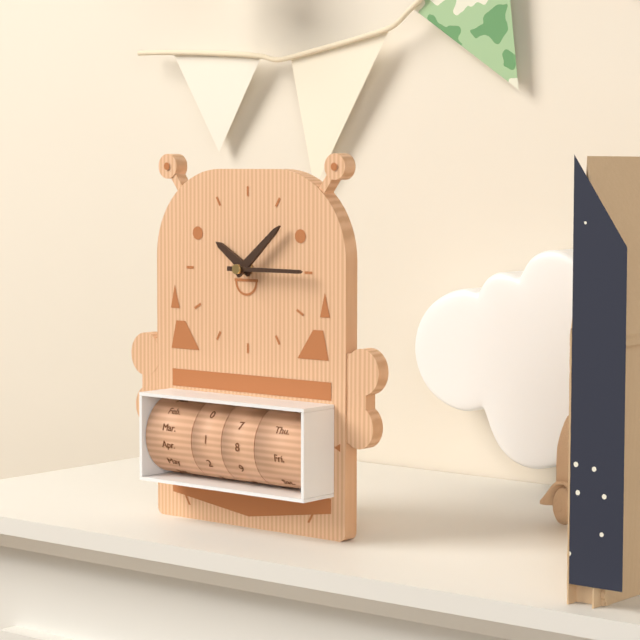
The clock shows 10.08.15
